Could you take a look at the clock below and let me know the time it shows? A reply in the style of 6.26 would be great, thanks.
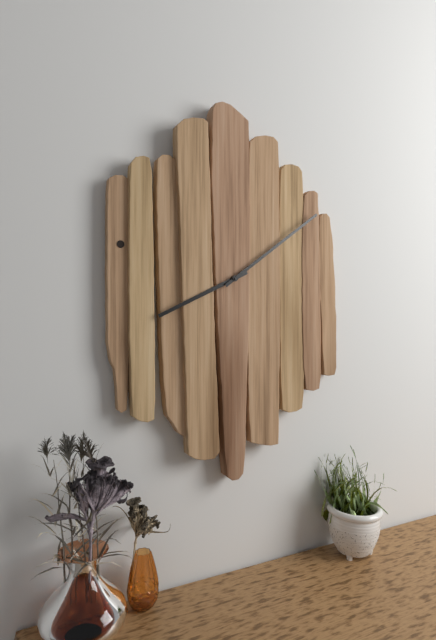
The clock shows 8.09
